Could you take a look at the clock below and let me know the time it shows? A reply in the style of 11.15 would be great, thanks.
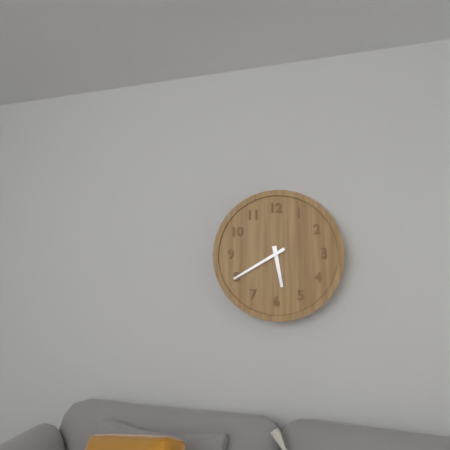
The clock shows 5.40
